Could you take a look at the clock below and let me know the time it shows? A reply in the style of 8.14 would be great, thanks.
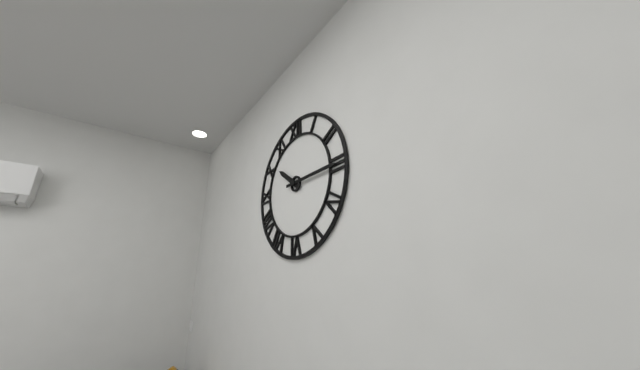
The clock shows 10.15
